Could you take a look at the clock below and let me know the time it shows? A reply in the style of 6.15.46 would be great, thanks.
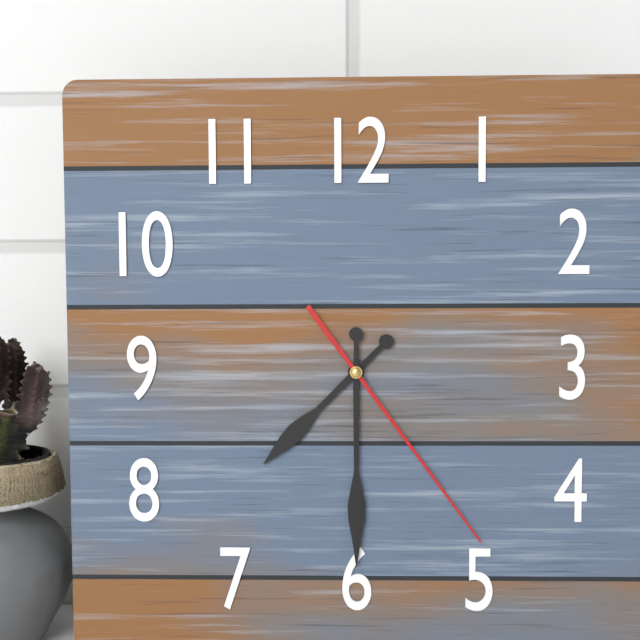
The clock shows 7.30.24
